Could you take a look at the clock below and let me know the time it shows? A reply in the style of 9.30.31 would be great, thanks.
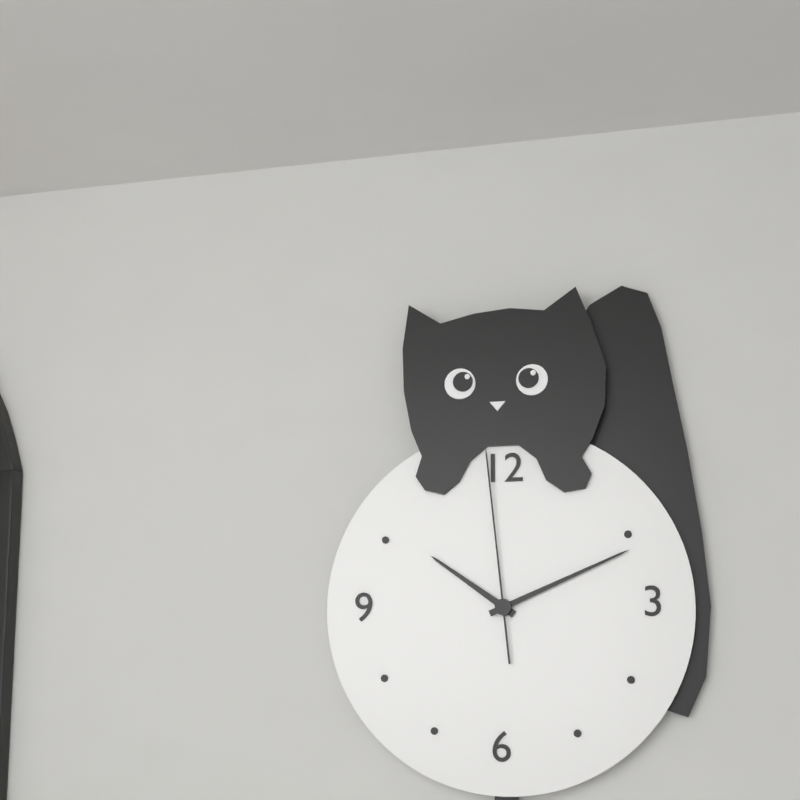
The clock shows 10.11.59
